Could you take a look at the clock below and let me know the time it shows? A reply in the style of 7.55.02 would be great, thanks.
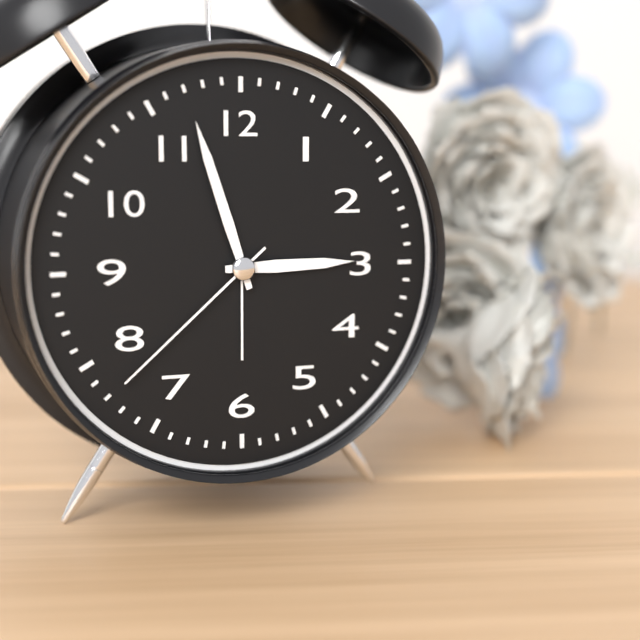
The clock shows 2.57.38
